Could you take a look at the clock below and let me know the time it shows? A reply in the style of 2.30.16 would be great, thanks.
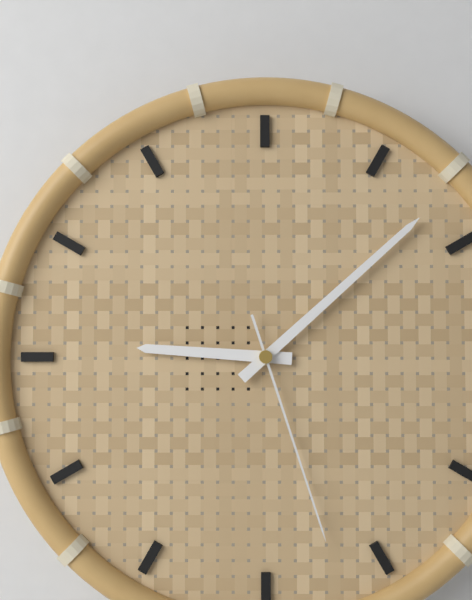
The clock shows 9.08.27
